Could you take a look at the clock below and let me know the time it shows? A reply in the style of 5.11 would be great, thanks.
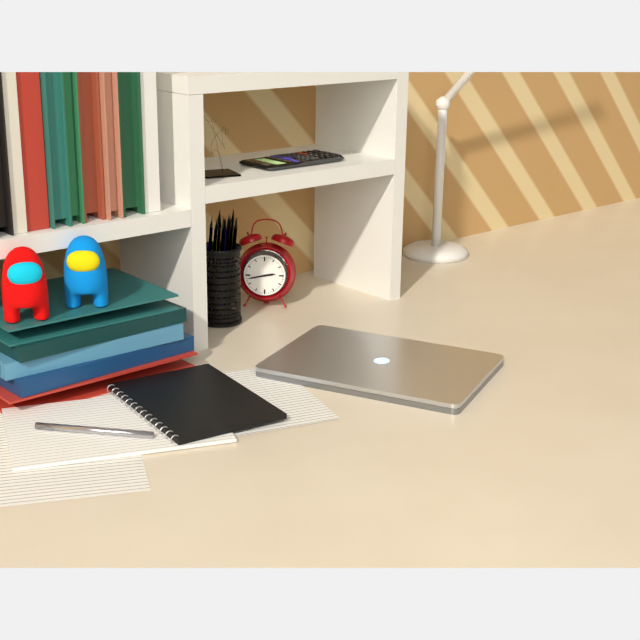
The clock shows 2.43
